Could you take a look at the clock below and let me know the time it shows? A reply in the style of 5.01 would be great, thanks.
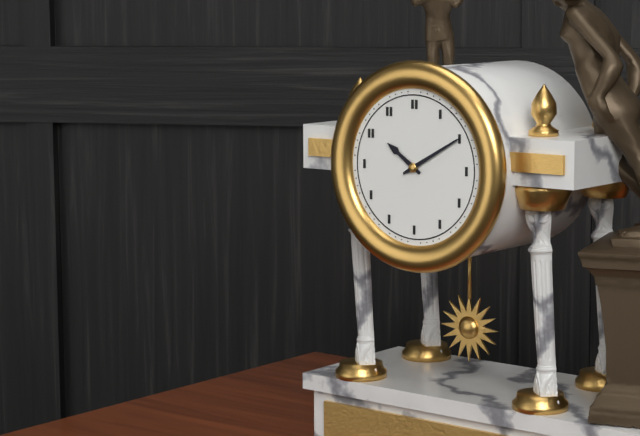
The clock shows 10.10
